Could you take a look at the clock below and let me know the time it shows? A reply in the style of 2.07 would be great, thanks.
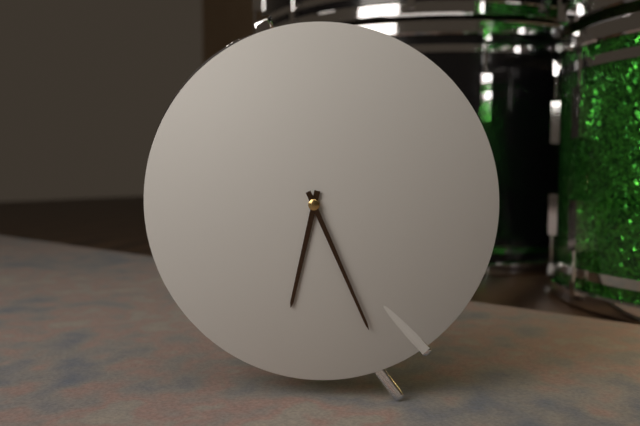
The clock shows 6.26
